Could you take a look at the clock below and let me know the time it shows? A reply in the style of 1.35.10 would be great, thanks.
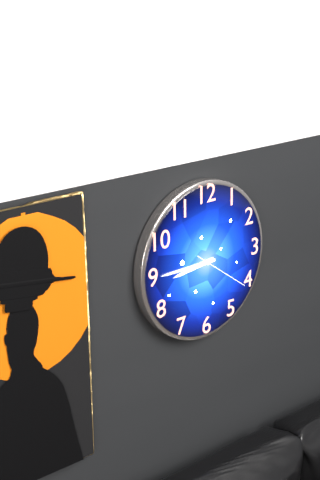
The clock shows 8.45.21
